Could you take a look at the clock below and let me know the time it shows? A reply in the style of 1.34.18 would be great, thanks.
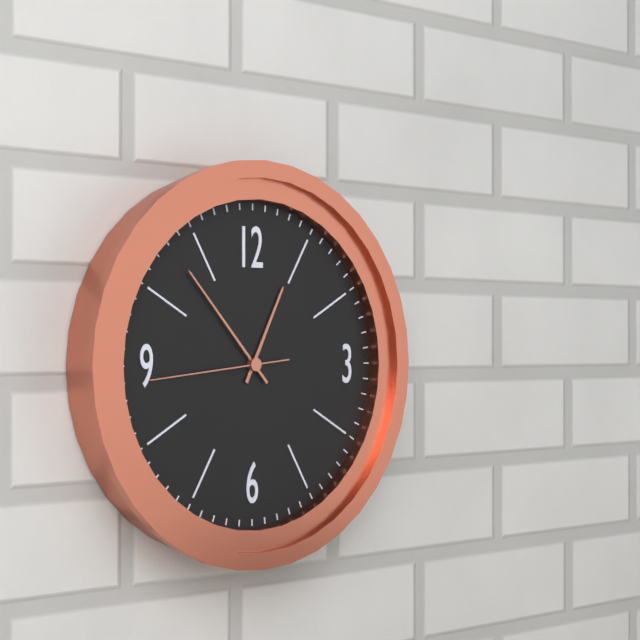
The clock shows 12.53.44
